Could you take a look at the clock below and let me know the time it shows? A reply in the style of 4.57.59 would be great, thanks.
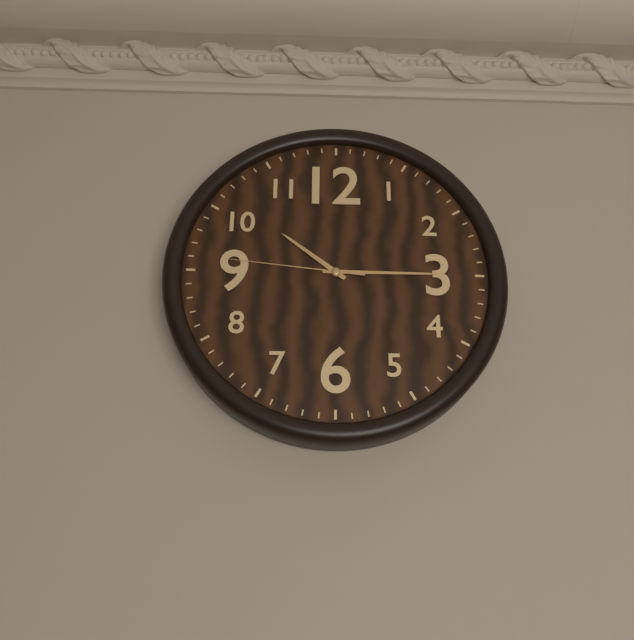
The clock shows 10.15.46
